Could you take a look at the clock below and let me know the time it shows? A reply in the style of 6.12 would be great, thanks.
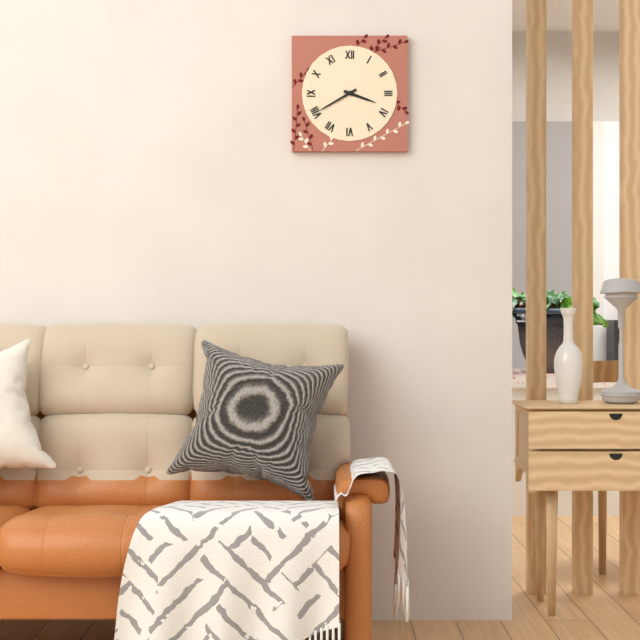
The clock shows 3.40
